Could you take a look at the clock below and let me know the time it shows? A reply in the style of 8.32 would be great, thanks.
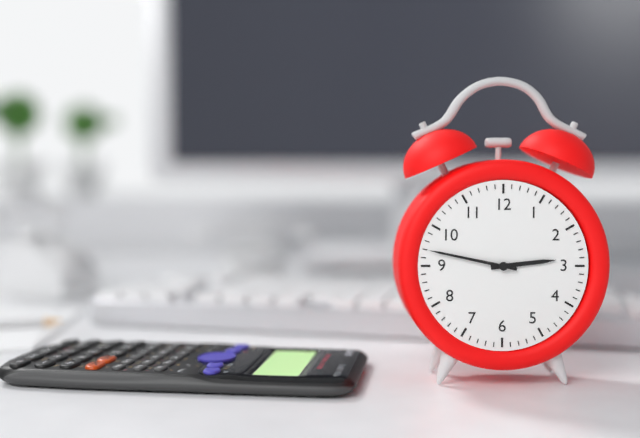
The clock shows 2.47
